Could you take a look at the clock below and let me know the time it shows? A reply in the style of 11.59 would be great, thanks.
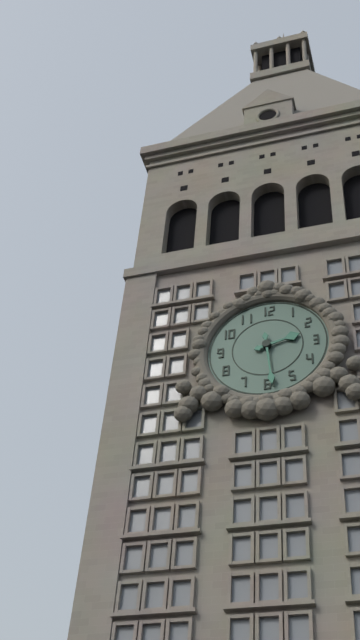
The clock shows 2.29
